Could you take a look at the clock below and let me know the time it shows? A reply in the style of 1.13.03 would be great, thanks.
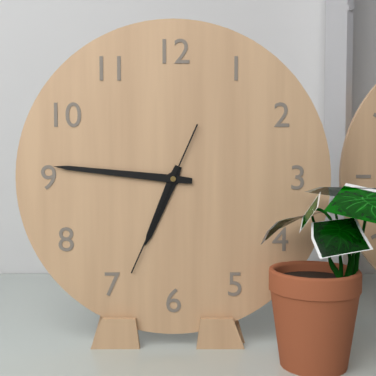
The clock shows 6.46.34
